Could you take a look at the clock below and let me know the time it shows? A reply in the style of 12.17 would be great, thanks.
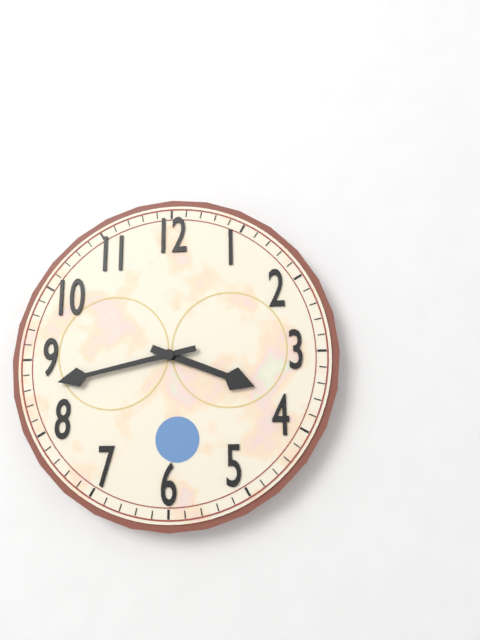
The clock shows 3.43
